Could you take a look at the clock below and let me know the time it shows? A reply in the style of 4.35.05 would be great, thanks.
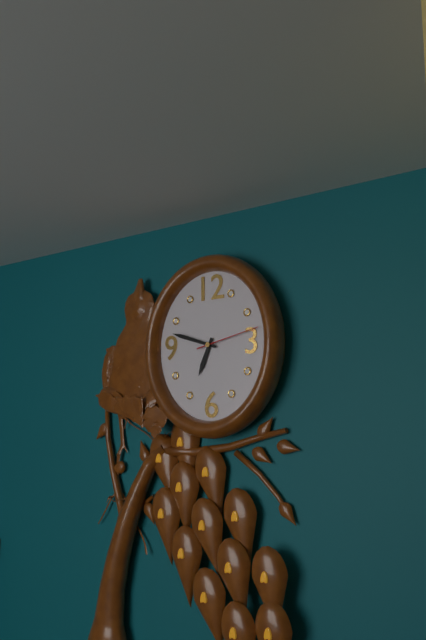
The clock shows 6.48.13
